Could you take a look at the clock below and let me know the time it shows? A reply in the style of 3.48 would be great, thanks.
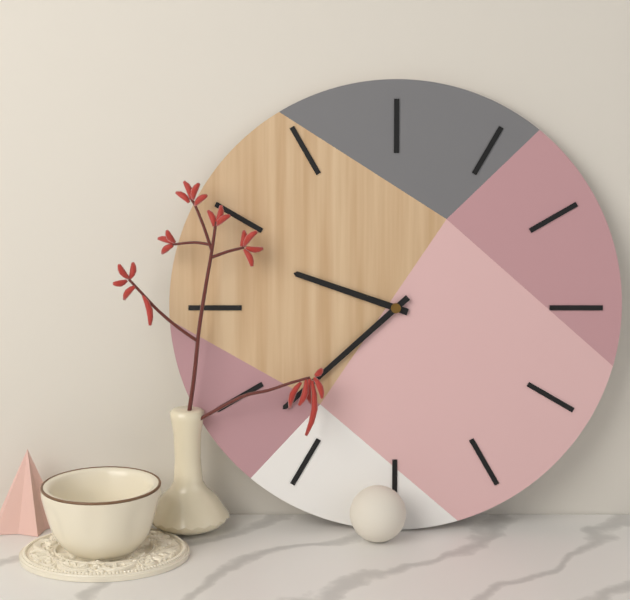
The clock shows 9.38
